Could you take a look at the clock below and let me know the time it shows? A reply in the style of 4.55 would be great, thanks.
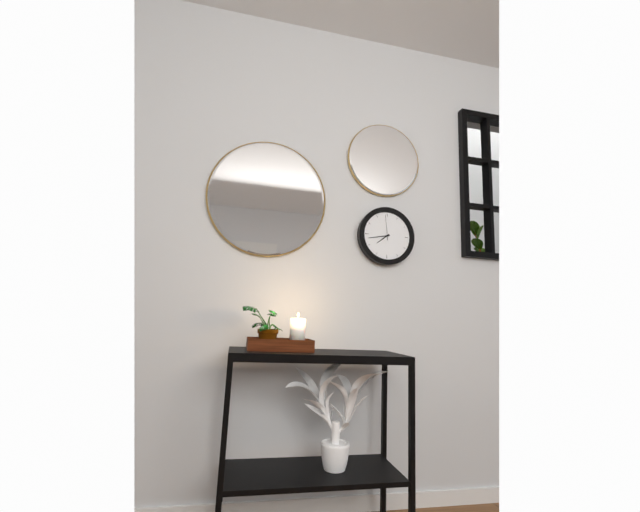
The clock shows 7.43
